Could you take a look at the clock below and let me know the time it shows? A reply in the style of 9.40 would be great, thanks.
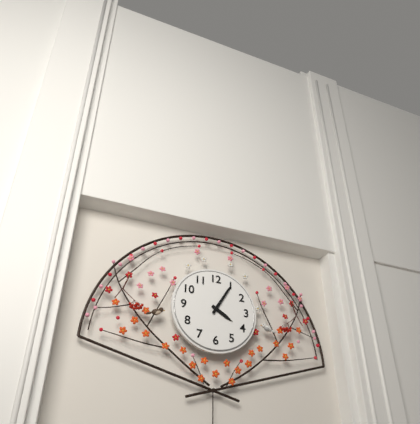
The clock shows 4.05
